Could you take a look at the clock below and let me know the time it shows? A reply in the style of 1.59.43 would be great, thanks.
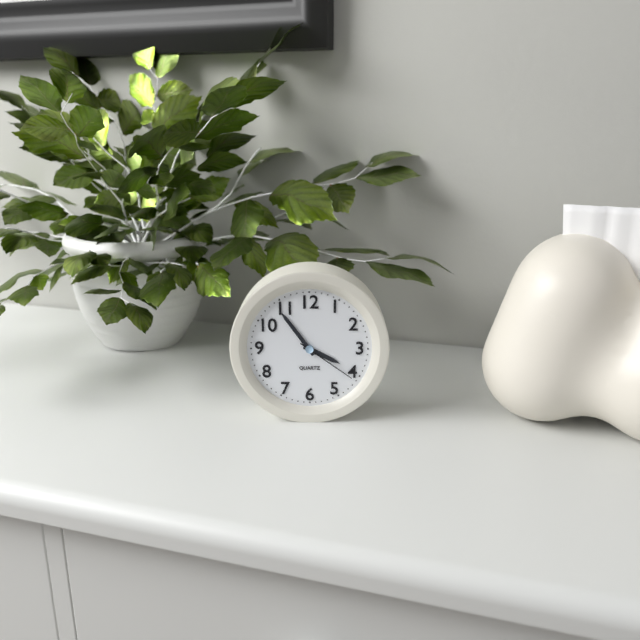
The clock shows 3.54.21
